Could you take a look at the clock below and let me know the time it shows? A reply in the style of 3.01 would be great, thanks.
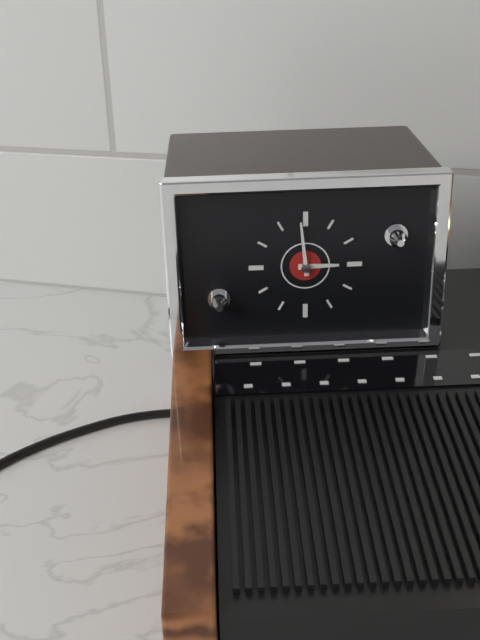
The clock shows 2.59
